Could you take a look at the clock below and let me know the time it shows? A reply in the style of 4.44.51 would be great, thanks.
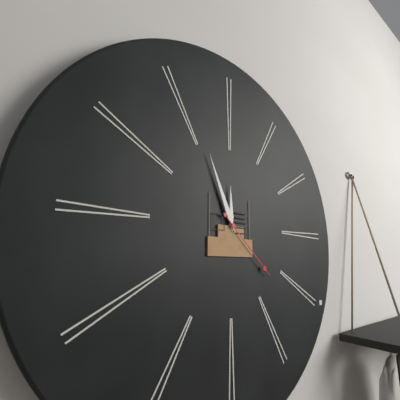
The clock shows 11.56.22
